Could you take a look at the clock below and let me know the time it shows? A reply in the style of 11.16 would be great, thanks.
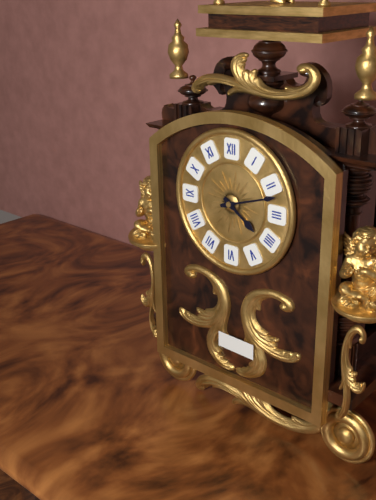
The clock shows 4.12
